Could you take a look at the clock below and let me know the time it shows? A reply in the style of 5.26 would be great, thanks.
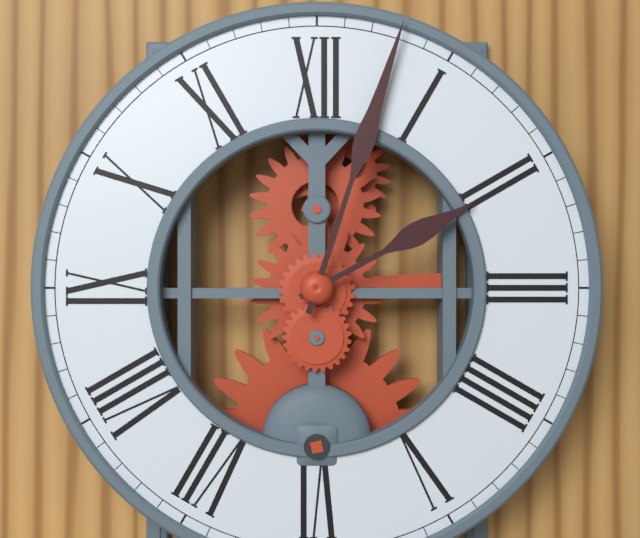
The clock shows 2.03
